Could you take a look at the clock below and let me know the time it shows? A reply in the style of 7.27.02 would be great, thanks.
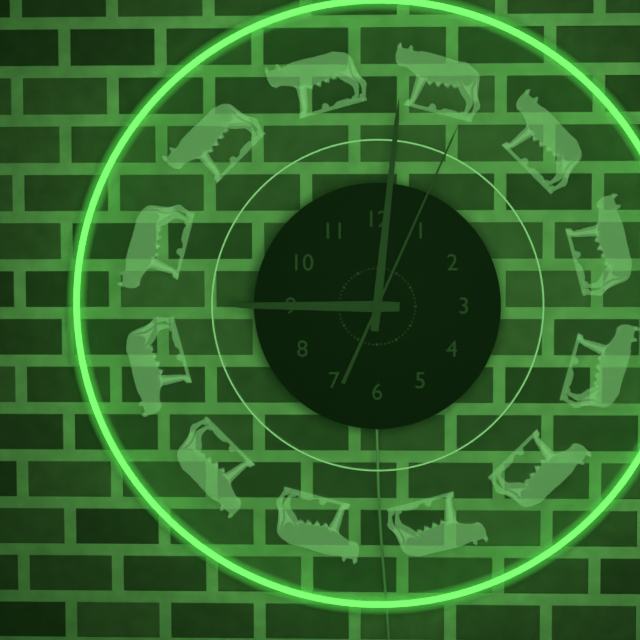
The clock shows 9.01.04
